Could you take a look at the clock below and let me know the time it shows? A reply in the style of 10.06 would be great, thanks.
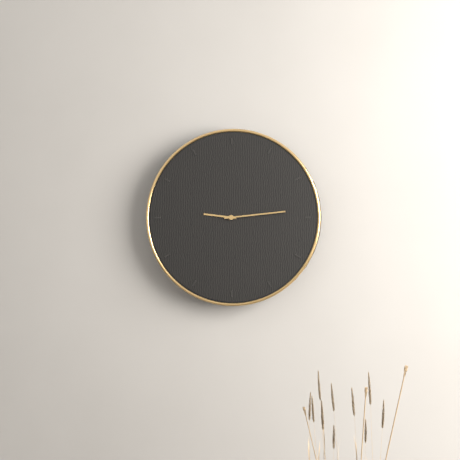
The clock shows 9.14
